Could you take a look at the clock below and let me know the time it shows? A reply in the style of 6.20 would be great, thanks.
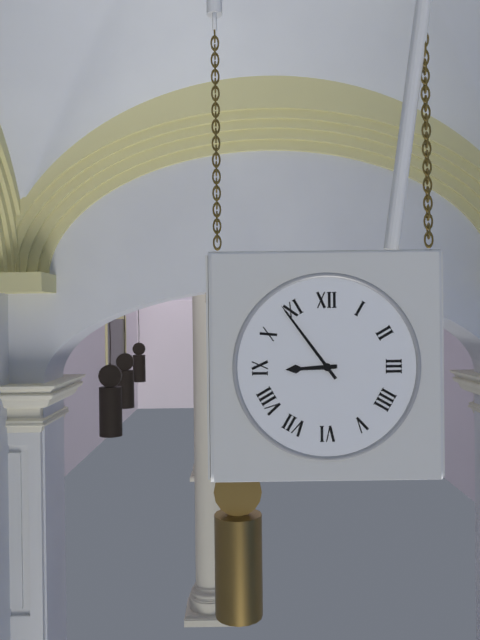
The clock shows 8.54
